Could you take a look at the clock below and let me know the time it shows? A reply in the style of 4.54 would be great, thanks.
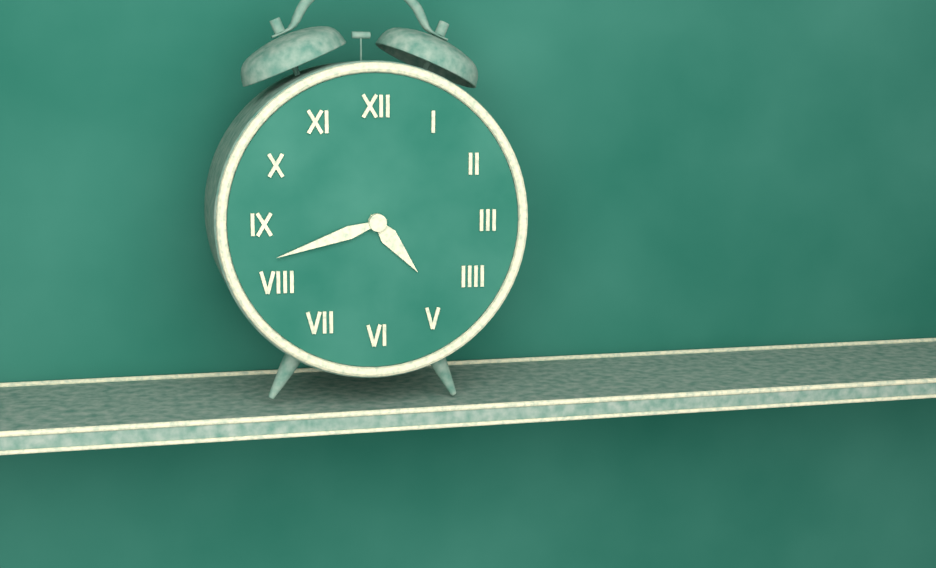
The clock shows 4.42
